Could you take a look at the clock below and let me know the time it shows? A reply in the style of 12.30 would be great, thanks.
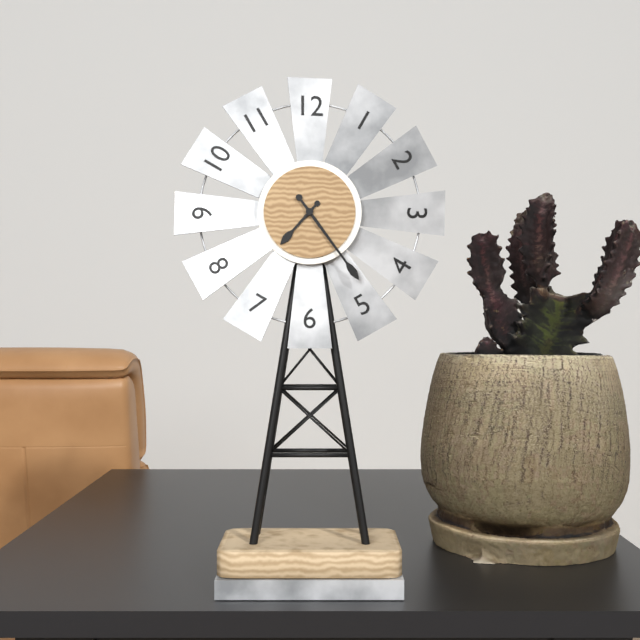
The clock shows 7.24
